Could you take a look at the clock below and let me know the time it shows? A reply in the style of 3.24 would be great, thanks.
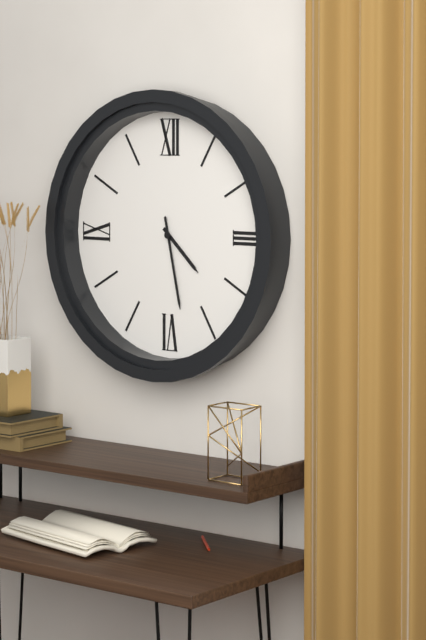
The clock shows 4.28
